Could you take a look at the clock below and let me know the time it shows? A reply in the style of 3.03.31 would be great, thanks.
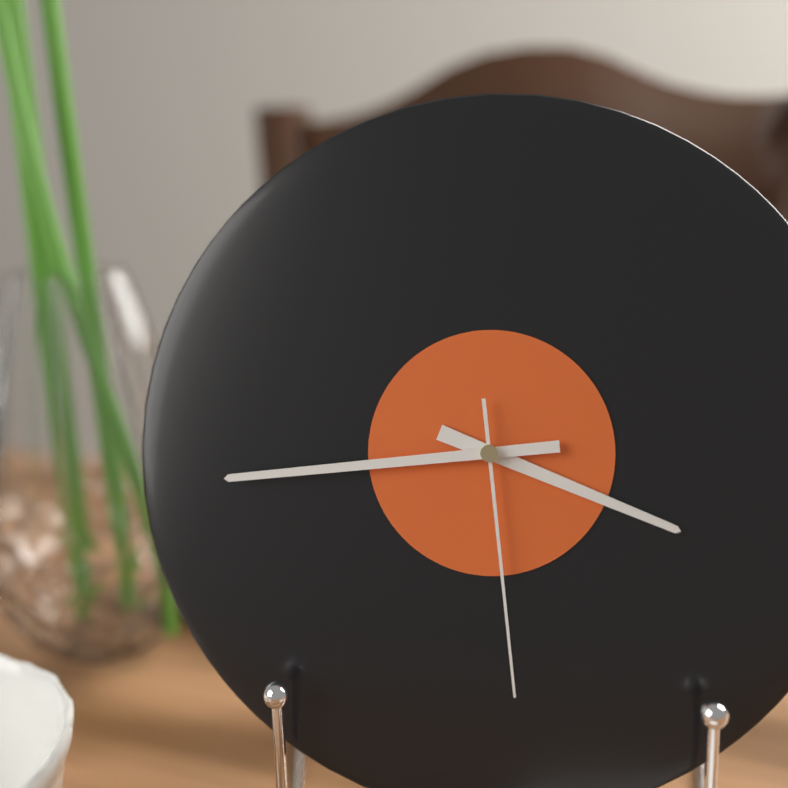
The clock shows 3.44.29
